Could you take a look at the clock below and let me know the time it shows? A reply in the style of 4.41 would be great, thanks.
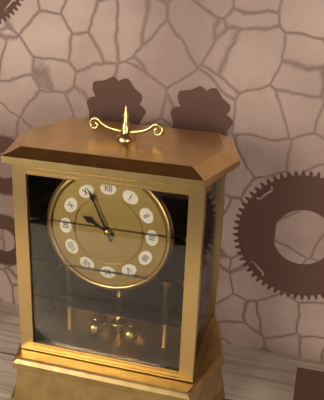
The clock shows 9.56
